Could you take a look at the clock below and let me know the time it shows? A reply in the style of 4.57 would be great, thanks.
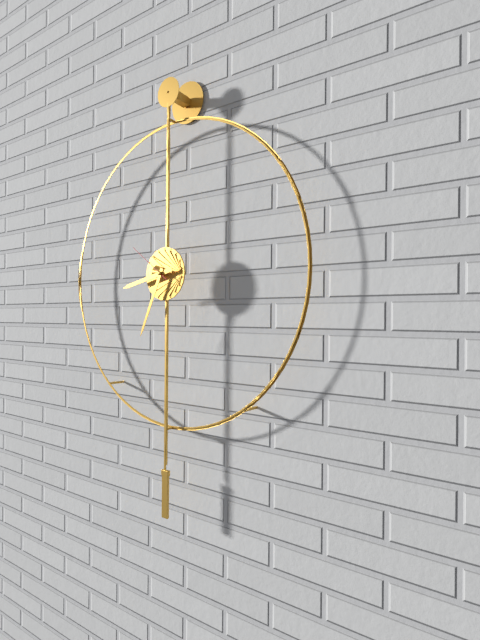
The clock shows 8.34
